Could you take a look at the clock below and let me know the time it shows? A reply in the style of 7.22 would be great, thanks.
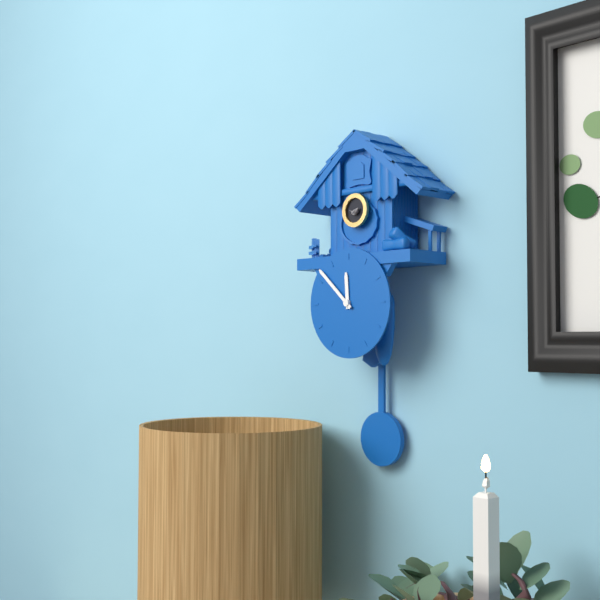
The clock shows 11.52
